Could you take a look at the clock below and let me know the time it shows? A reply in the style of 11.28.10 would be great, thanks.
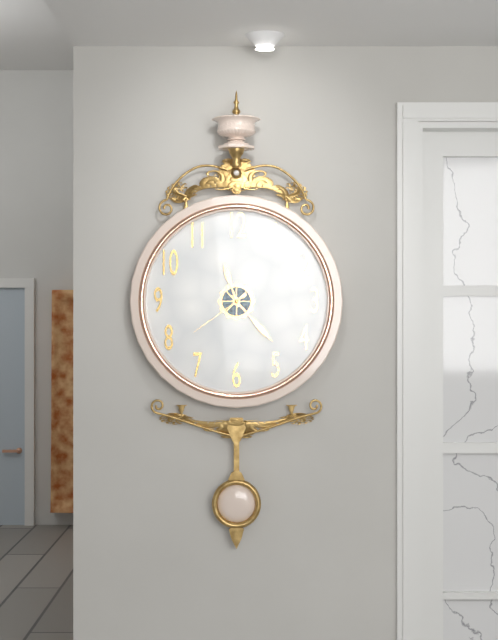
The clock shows 11.23.39
